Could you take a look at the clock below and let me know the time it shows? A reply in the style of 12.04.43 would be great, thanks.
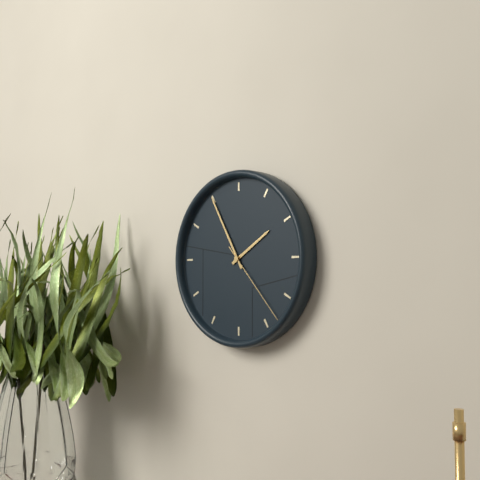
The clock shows 1.55.23
